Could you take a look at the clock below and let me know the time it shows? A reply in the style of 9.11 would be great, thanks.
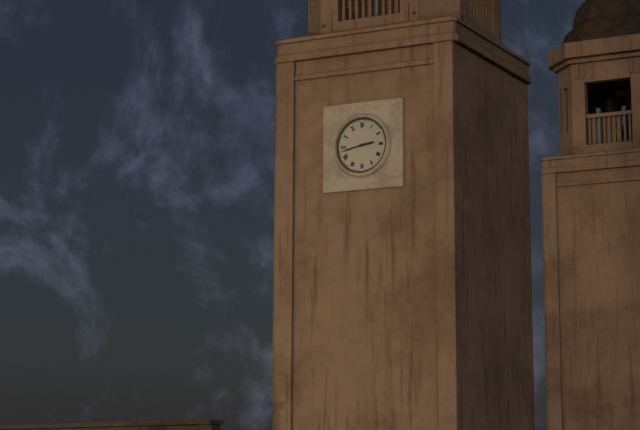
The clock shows 2.43
